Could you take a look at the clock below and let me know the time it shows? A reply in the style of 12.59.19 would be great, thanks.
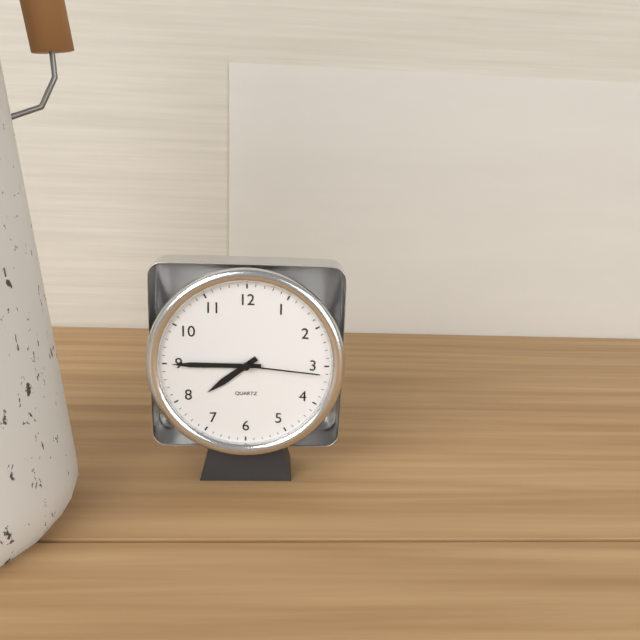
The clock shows 7.45.16
